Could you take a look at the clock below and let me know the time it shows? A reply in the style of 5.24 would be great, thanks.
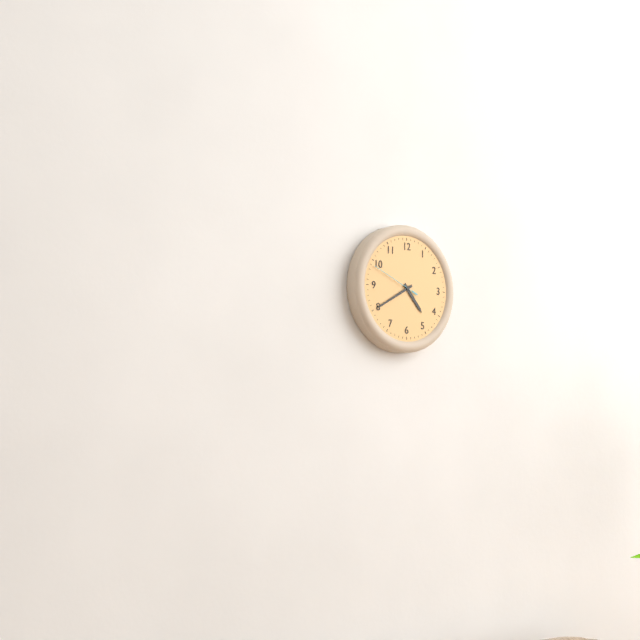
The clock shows 4.40
